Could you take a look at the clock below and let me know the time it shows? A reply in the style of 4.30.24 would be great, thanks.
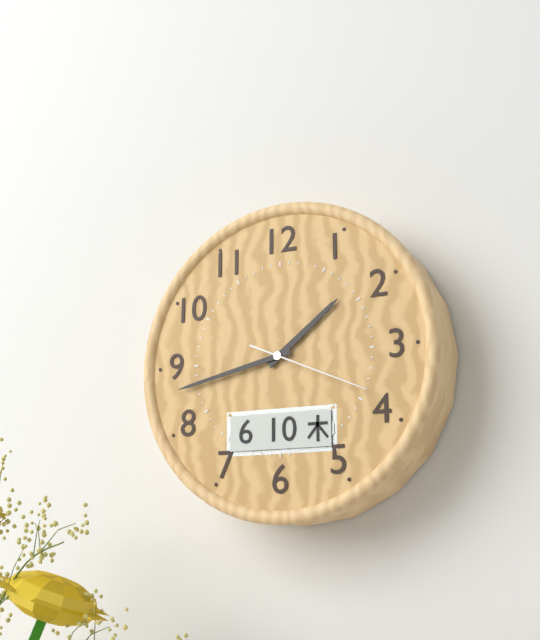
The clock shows 1.43.19
